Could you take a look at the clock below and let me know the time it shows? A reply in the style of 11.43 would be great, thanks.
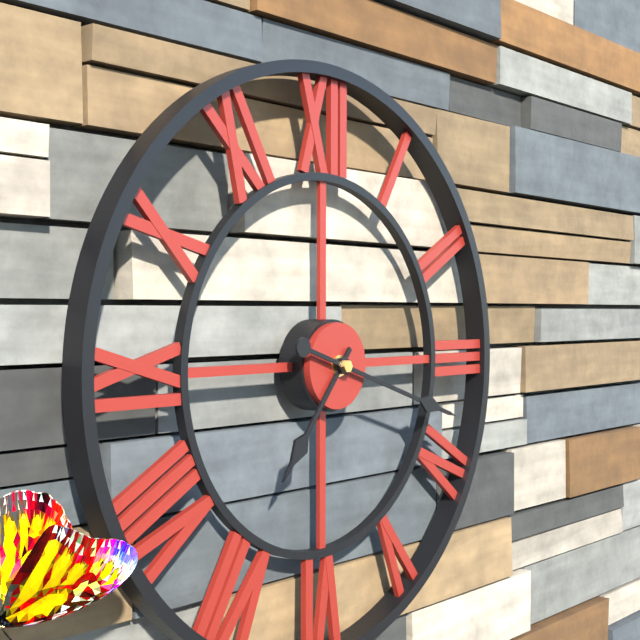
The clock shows 7.18
